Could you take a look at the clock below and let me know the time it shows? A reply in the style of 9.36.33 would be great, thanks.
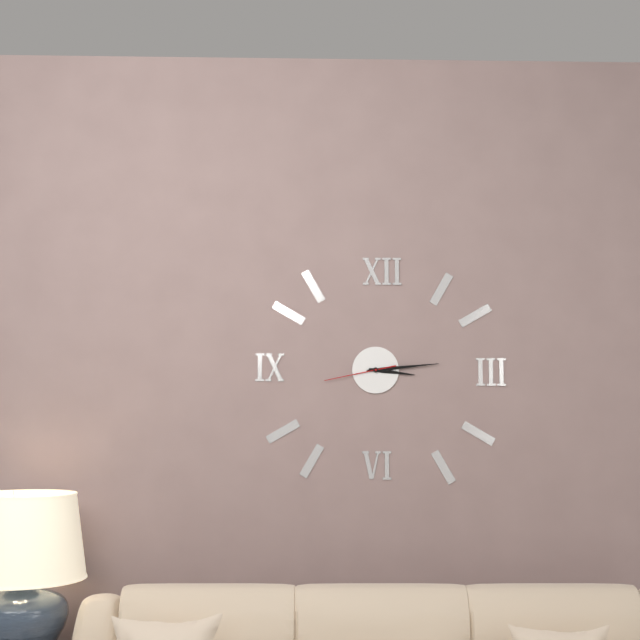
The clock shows 3.14.43
